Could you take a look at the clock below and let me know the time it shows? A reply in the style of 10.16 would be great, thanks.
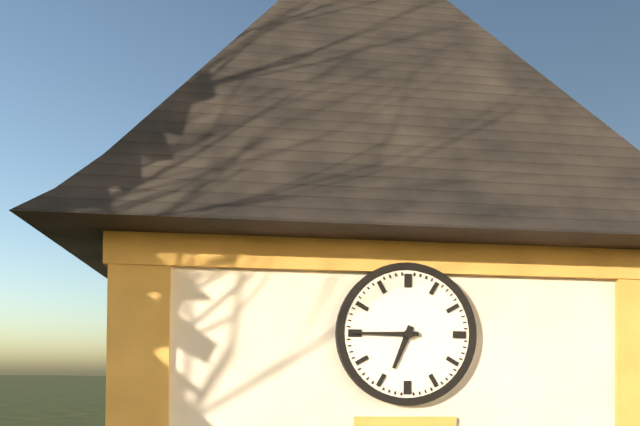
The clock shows 6.45
